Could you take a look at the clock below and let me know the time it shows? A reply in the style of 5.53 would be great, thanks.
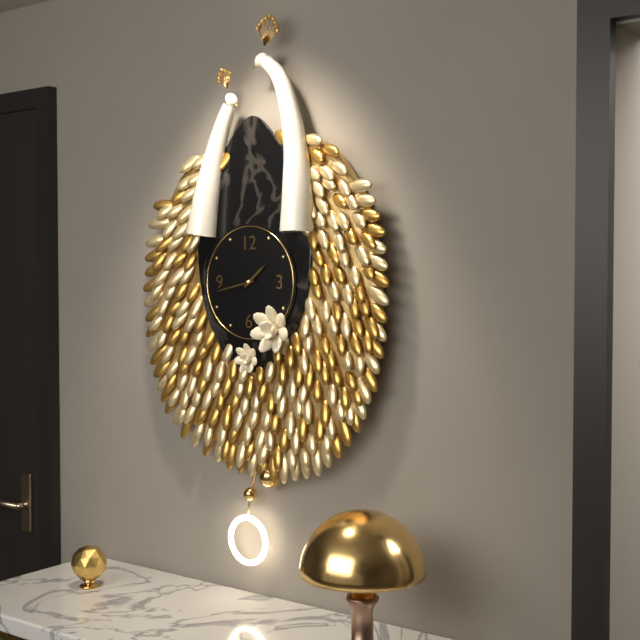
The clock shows 1.43
